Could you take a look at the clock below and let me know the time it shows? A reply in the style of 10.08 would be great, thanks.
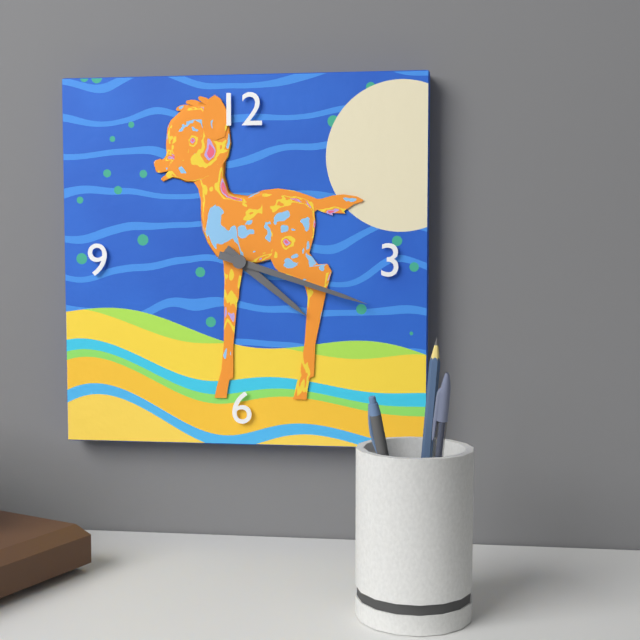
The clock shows 4.18
